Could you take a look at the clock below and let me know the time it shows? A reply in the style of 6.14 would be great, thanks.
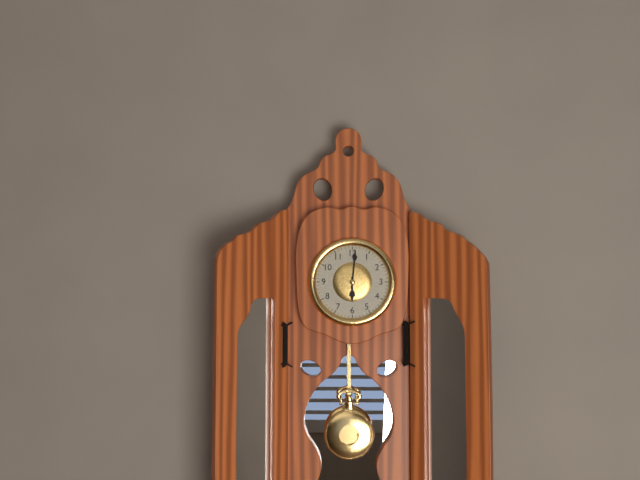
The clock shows 6.01
